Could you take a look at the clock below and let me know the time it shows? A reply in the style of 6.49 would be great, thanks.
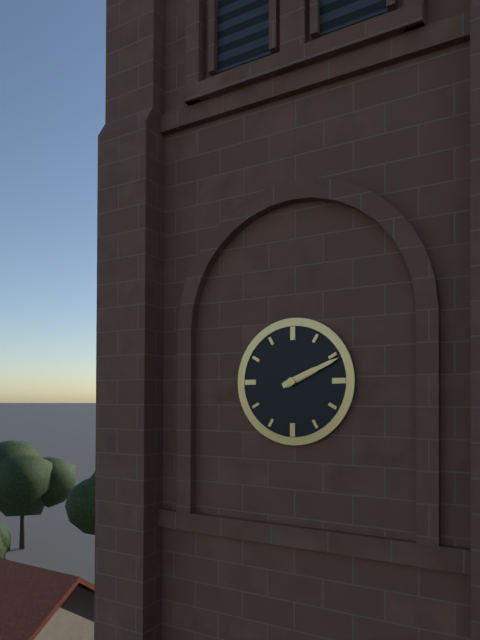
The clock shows 2.11
